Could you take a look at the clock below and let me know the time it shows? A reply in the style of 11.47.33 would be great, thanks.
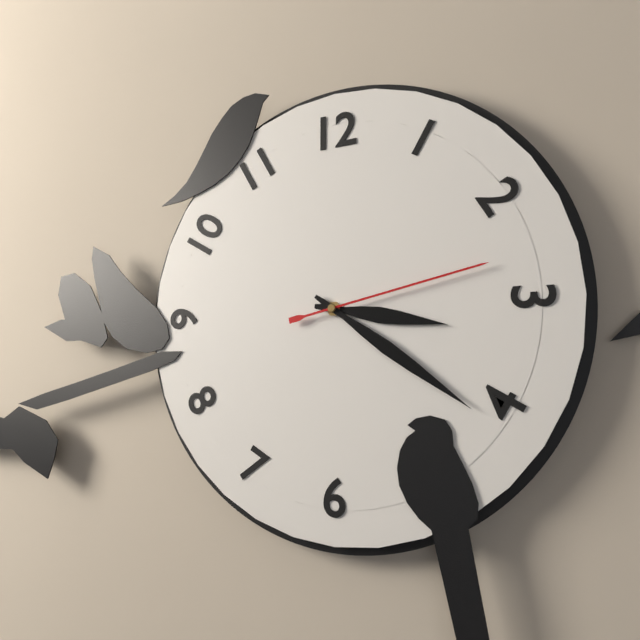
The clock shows 3.21.13
